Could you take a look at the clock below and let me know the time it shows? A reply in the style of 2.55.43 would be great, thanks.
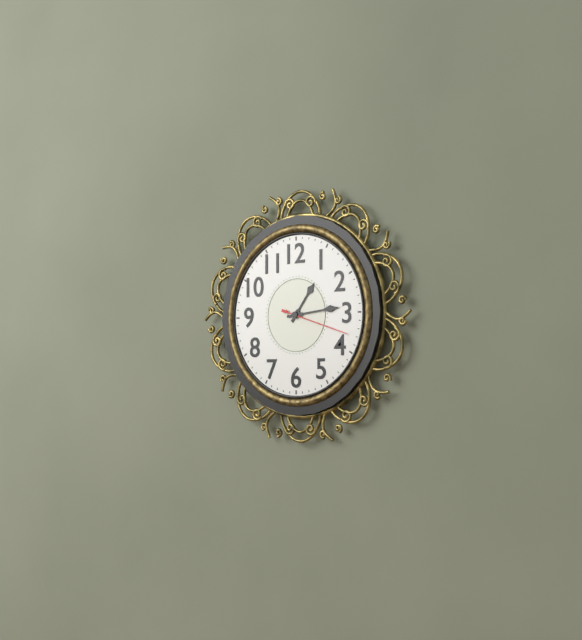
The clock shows 1.14.18
